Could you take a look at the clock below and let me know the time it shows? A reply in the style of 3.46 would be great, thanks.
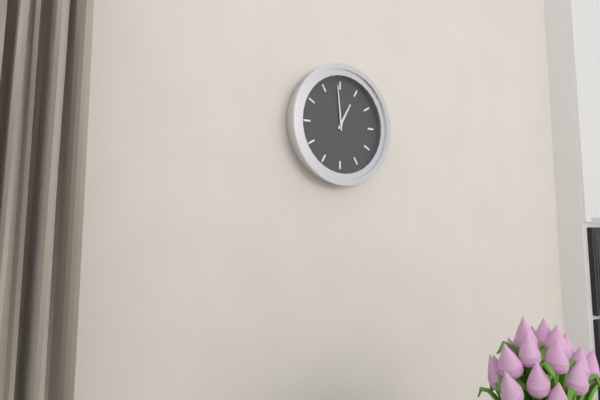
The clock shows 12.59
